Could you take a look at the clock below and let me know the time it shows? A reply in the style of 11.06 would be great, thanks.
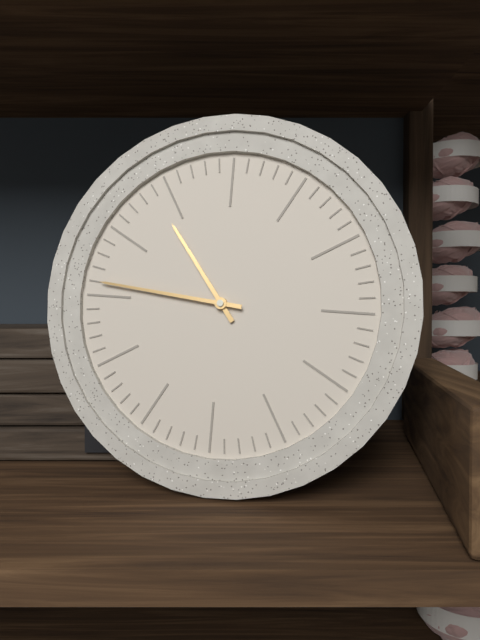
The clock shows 10.46
